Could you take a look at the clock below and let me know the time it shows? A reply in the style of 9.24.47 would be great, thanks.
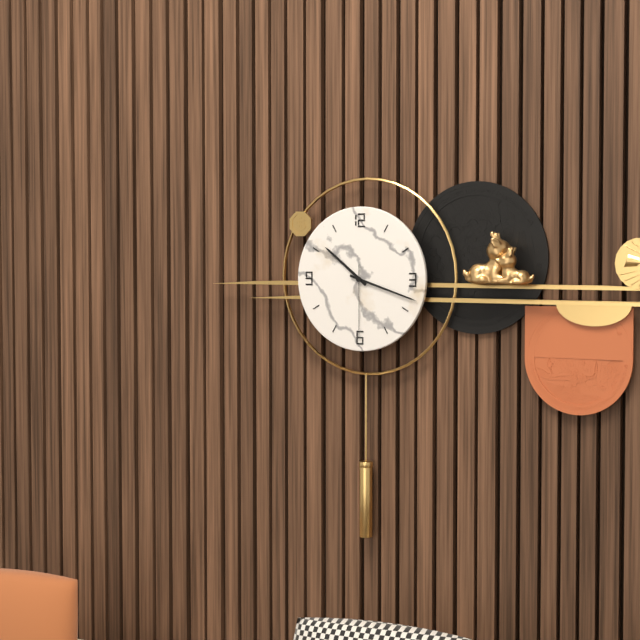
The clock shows 10.18.30
